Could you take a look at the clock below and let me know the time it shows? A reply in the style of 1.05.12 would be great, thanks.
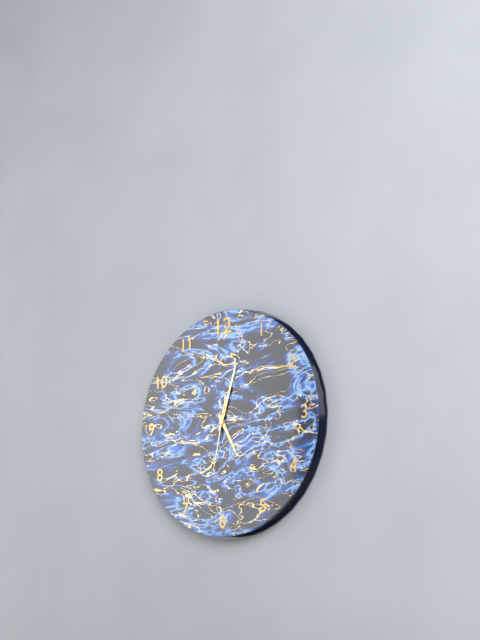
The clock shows 5.03.32
